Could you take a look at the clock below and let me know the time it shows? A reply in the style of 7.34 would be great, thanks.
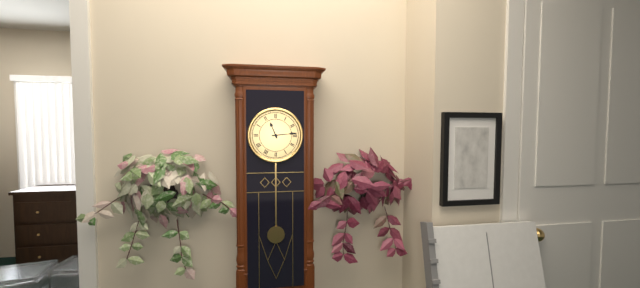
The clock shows 11.14
